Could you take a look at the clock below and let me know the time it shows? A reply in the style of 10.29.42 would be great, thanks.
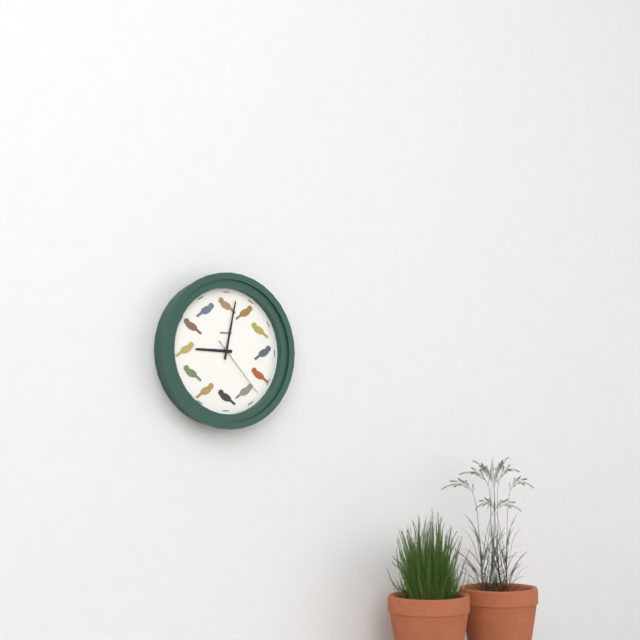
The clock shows 9.02.23
